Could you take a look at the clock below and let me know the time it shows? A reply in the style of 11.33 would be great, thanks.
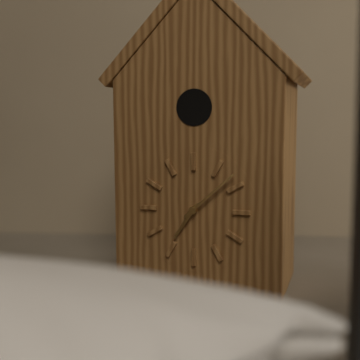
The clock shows 7.08
